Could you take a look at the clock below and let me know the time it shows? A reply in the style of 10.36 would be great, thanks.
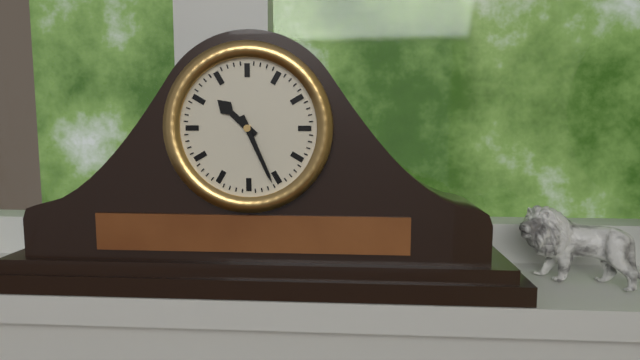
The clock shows 10.26
